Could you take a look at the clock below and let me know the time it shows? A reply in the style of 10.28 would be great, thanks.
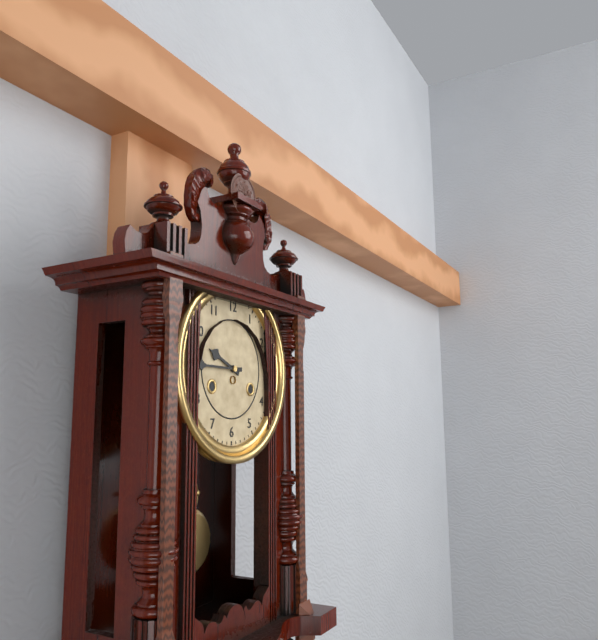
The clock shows 9.45
